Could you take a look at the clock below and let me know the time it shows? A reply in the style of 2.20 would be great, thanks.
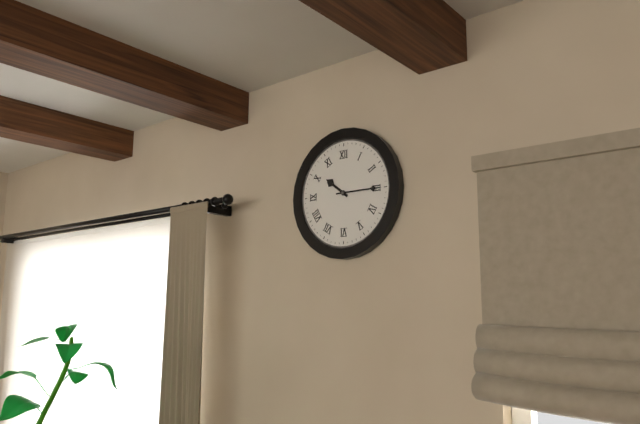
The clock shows 10.15
